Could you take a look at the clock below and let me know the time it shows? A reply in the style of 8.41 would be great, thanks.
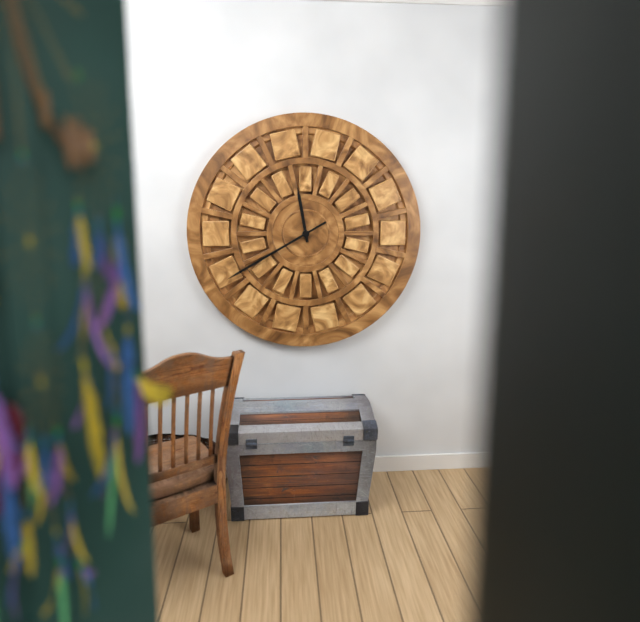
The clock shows 11.40
